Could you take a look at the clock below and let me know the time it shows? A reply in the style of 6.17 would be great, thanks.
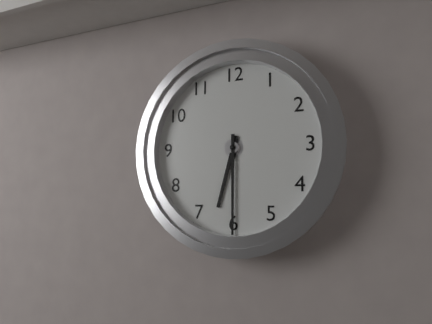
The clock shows 6.30
